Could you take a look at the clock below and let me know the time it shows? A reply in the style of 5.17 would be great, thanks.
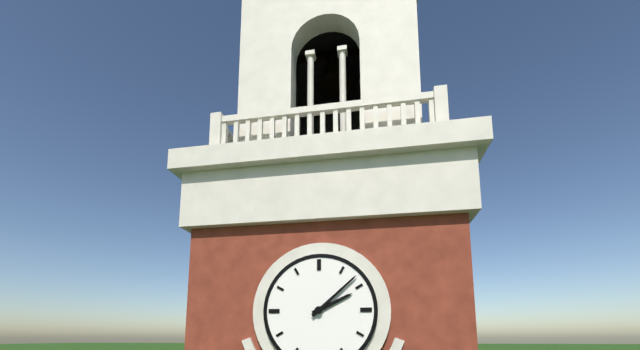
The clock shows 2.08
